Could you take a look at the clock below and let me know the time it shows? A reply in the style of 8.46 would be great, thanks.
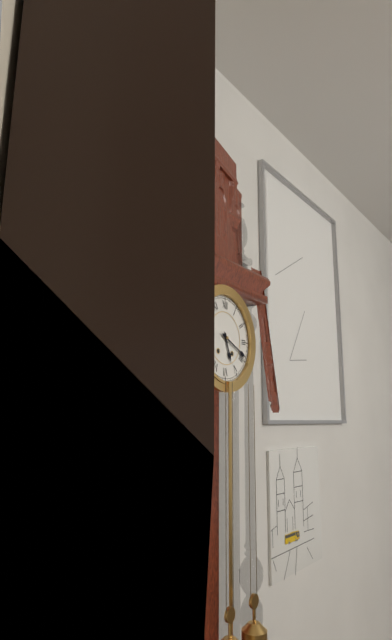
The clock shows 5.19
